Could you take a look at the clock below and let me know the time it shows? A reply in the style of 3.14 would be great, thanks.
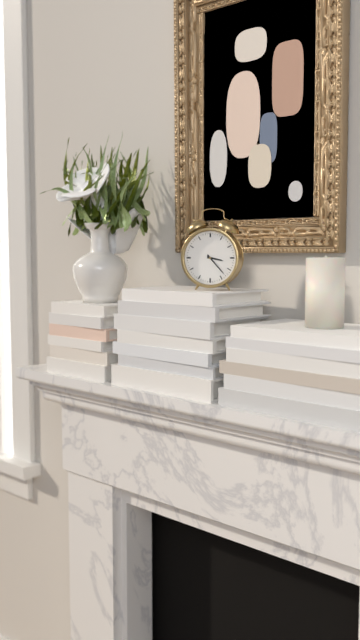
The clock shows 3.23
